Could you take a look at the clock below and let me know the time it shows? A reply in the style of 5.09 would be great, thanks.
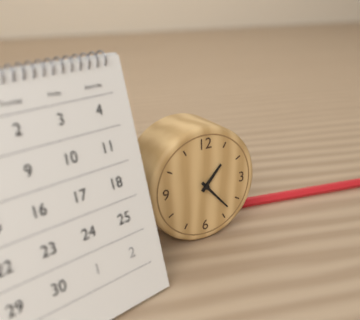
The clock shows 1.23
